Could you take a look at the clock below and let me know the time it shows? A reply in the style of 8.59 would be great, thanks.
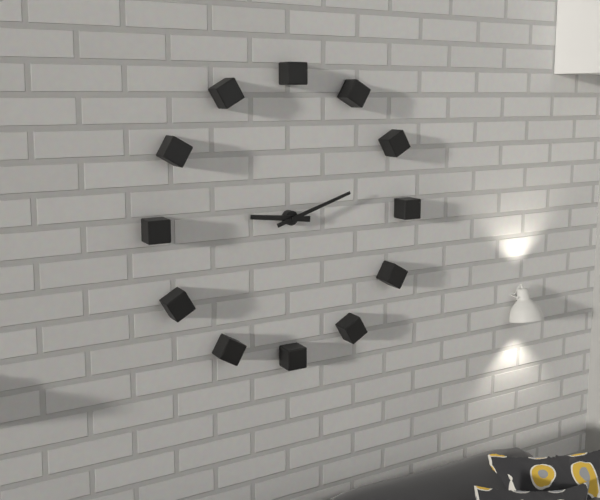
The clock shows 9.12
